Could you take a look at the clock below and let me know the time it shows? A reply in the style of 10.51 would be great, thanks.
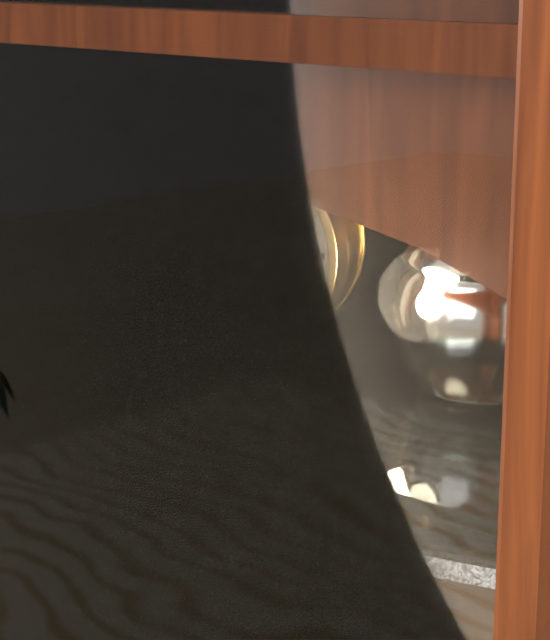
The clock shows 7.04
